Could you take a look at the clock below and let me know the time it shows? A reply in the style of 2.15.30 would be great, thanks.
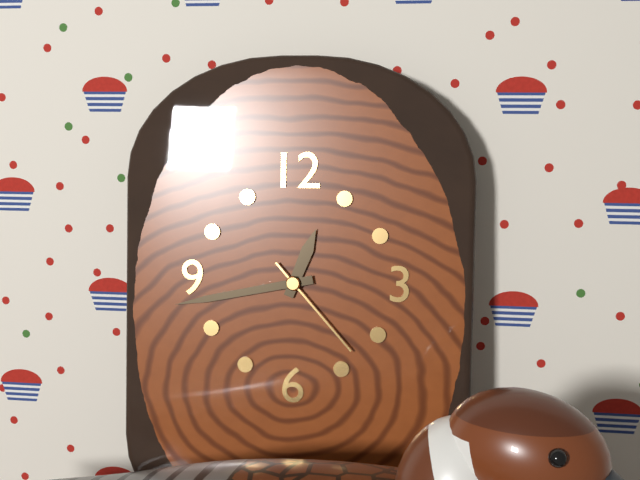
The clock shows 12.43.23
